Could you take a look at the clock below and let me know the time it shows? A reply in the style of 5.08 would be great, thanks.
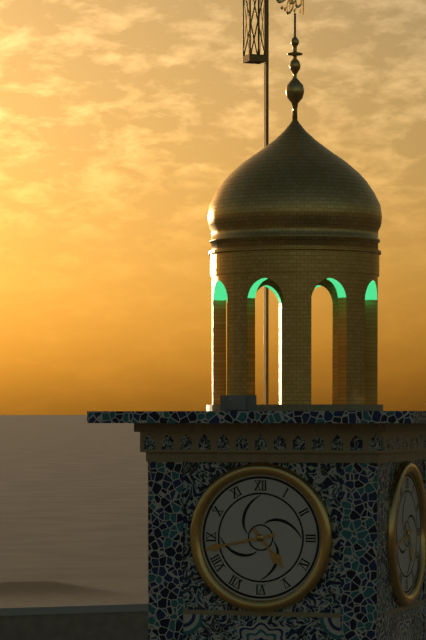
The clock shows 4.43
